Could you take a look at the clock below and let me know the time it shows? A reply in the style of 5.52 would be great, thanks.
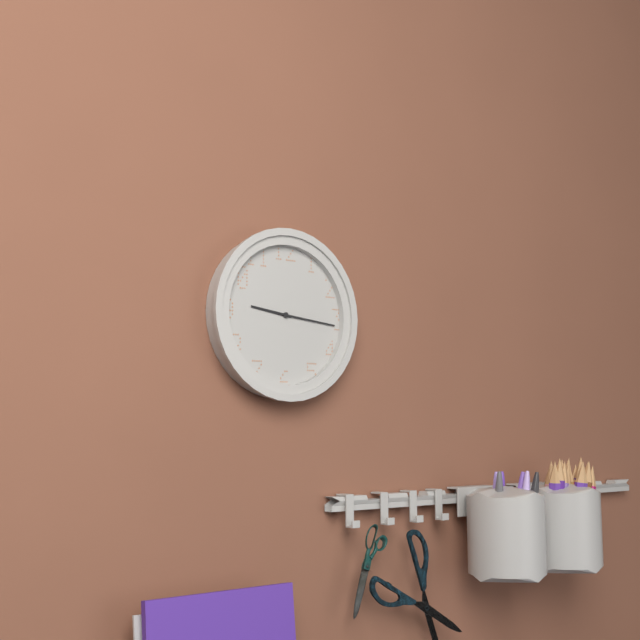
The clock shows 9.16
